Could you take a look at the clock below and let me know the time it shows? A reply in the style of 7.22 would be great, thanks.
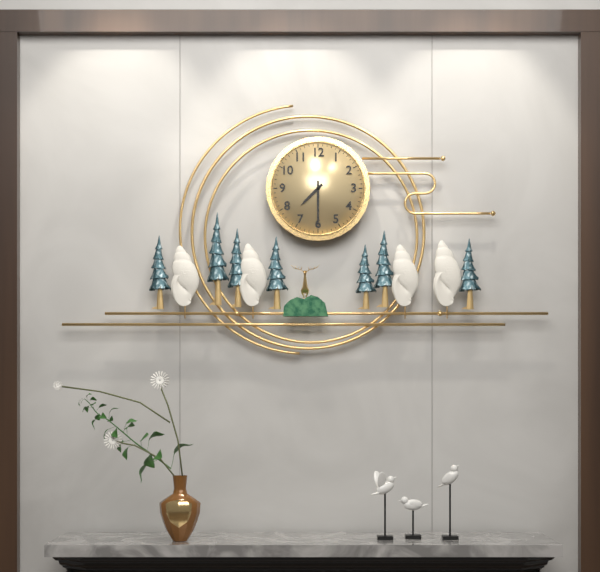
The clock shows 7.30
